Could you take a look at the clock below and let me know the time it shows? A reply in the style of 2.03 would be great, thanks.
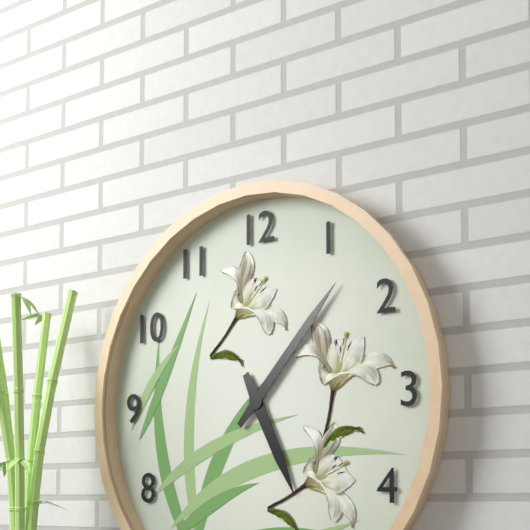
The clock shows 5.07
